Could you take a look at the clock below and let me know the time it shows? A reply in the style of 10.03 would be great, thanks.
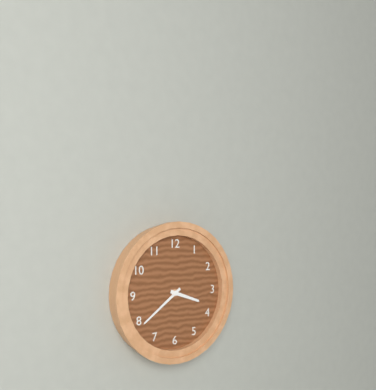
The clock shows 3.39
